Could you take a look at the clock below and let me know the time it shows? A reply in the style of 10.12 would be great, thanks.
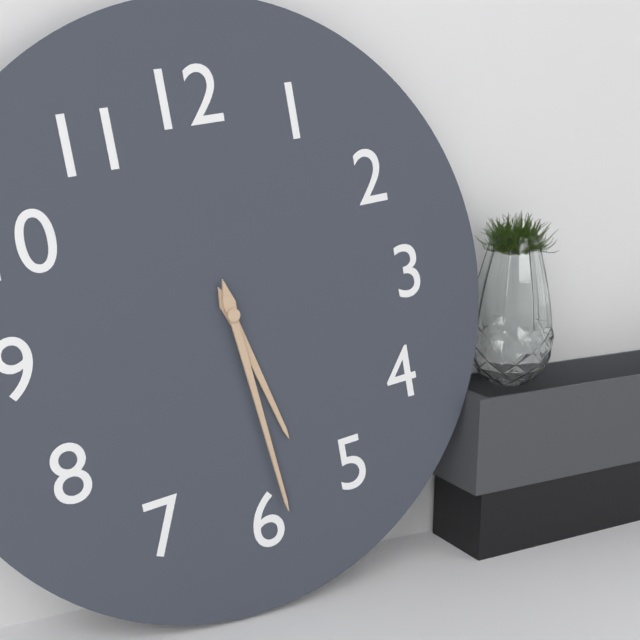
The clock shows 5.29
